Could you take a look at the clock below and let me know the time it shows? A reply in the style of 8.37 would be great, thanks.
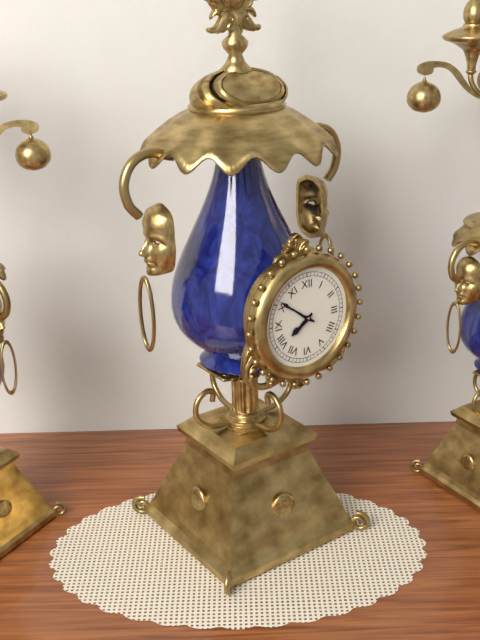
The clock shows 7.51
